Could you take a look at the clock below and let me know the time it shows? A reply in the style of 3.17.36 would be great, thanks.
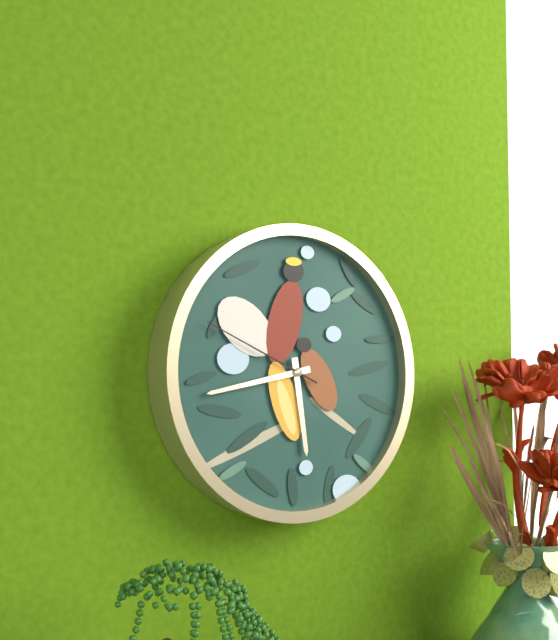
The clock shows 5.43.49
